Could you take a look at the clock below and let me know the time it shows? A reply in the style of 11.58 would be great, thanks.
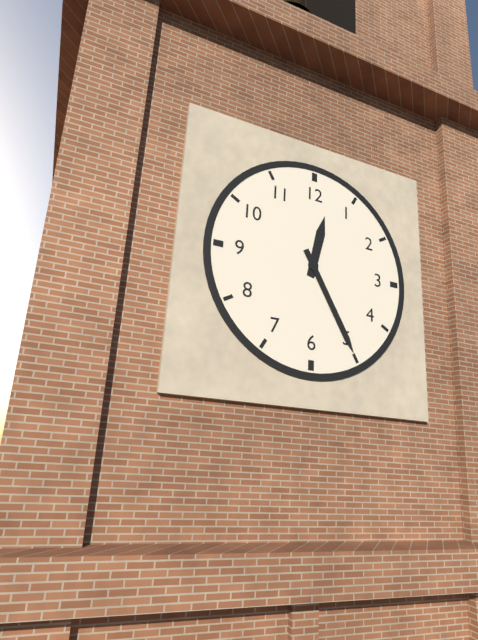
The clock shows 12.25
